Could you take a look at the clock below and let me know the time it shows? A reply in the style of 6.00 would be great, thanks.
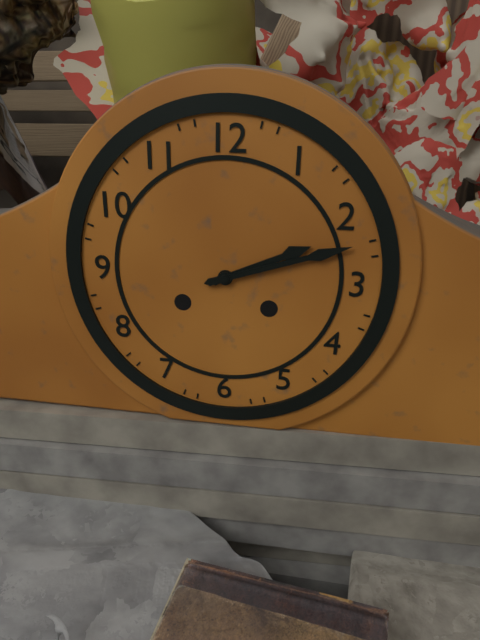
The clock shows 2.12
